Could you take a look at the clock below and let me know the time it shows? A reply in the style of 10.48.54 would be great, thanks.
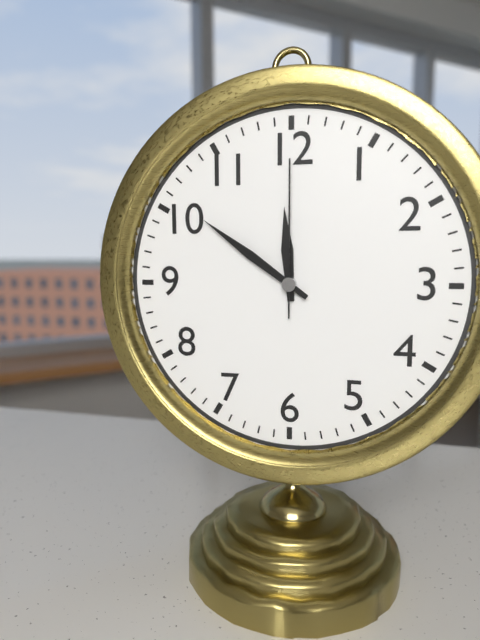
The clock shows 11.51.00
